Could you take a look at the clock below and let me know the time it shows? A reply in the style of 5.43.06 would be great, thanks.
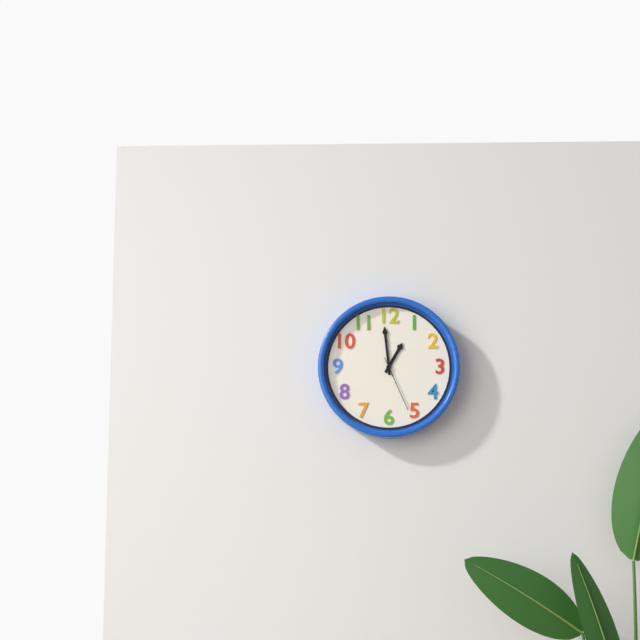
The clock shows 12.59.26
